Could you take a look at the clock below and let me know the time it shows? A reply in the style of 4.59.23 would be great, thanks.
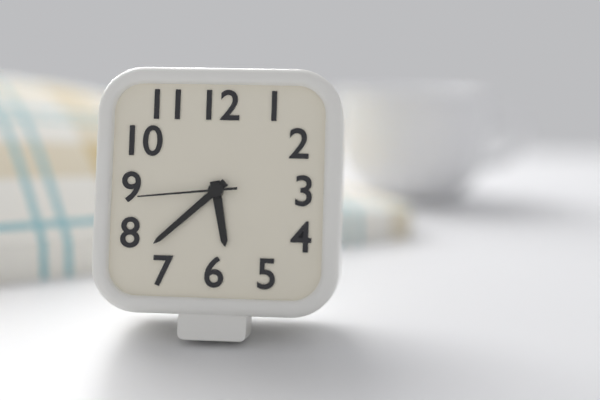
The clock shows 5.38.44
